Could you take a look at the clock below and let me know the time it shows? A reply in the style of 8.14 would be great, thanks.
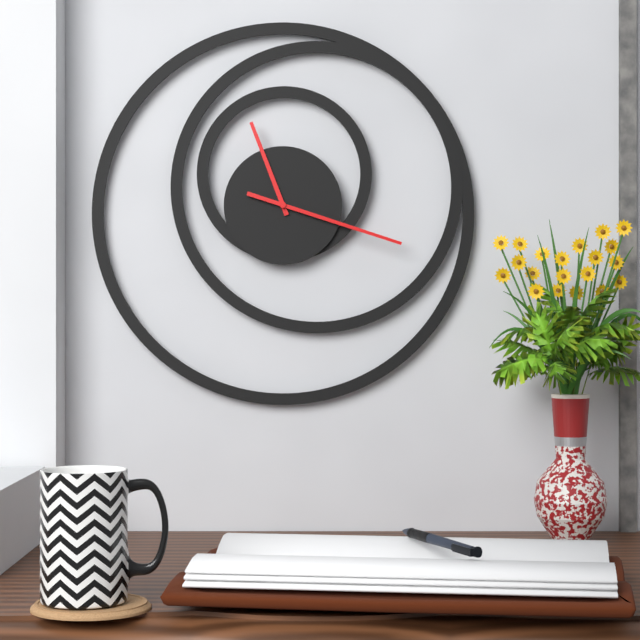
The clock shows 11.18
